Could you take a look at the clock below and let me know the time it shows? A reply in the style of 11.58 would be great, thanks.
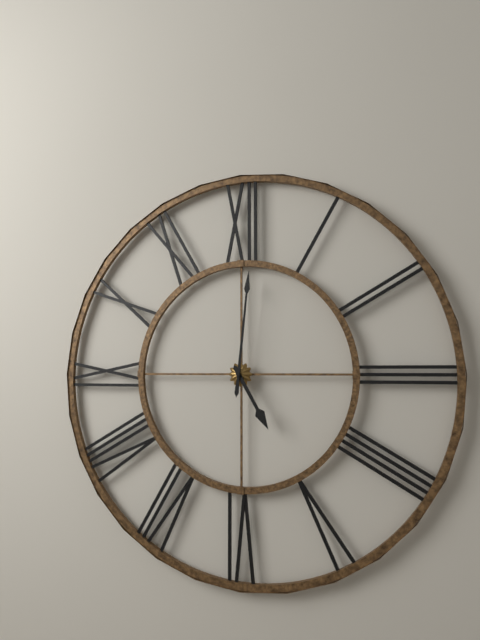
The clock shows 5.01
